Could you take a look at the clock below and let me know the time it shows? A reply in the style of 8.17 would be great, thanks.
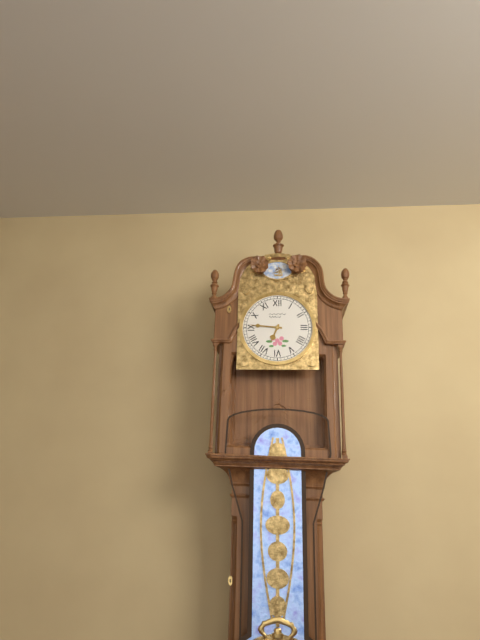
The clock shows 6.46
